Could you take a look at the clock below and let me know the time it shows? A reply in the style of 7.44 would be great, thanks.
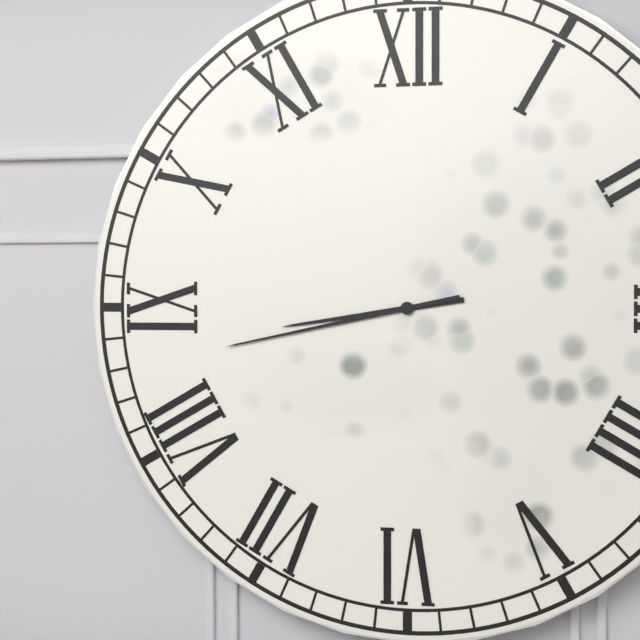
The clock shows 8.43
